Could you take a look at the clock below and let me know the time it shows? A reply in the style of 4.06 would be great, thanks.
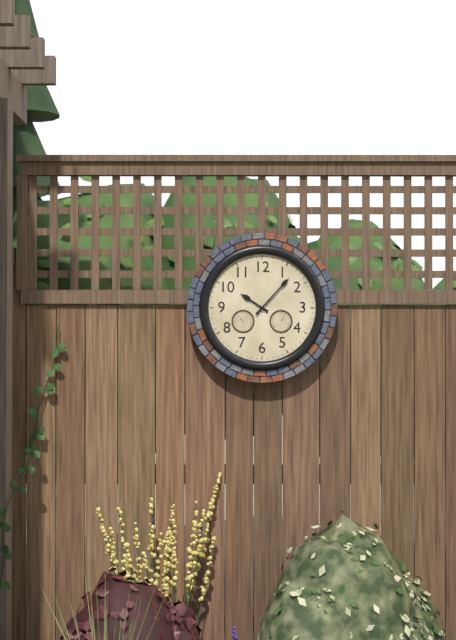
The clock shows 10.07
